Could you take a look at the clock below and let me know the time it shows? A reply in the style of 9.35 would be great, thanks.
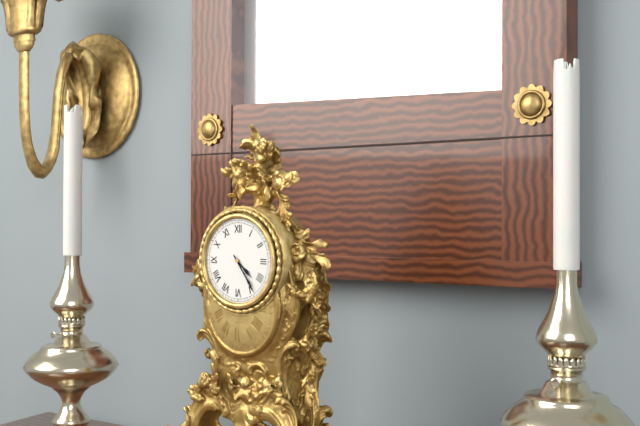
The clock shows 4.24
